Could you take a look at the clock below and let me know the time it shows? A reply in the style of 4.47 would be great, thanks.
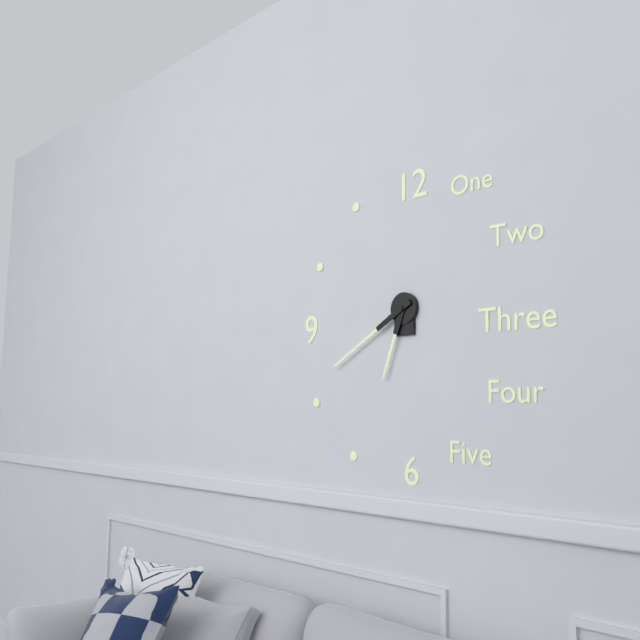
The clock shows 6.40
